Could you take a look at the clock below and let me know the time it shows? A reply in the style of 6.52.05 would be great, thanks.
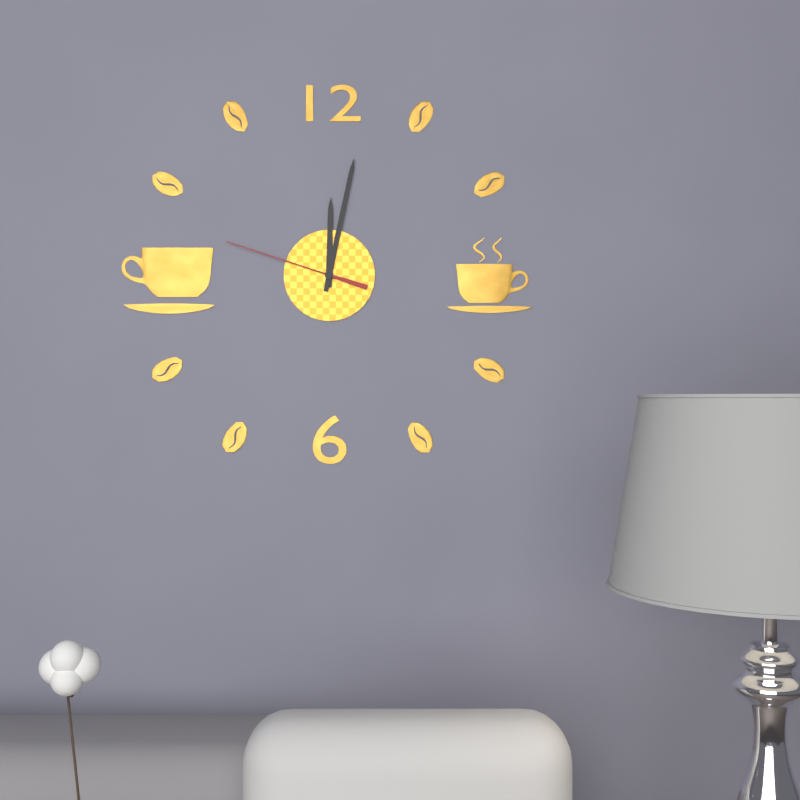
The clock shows 12.02.48
